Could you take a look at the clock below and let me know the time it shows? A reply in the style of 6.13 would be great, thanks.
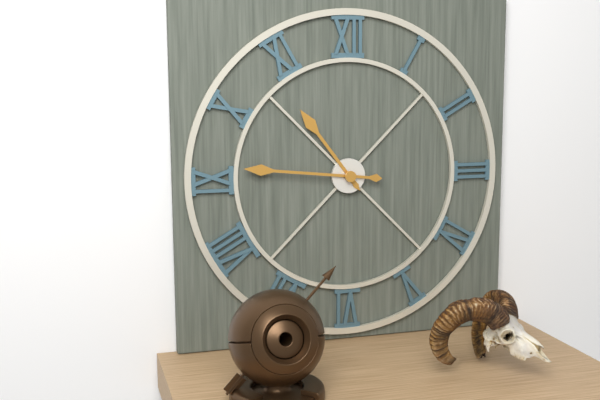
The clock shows 10.46
